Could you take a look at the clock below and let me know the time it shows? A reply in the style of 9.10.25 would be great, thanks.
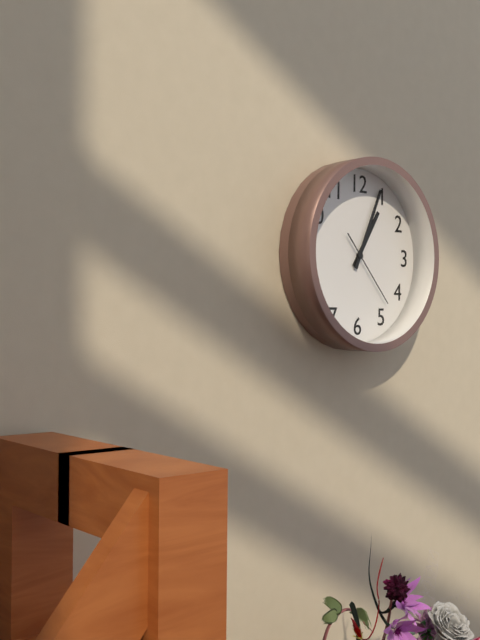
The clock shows 1.04.23
